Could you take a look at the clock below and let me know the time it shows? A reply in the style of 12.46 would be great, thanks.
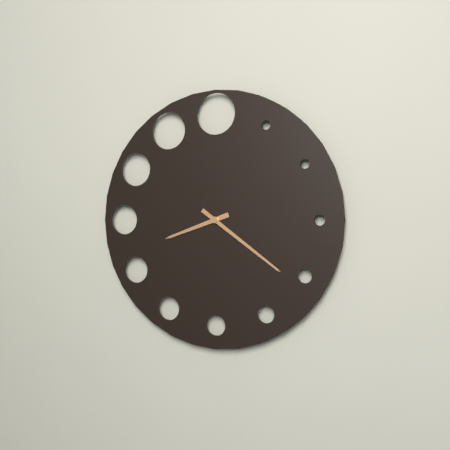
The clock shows 8.21
